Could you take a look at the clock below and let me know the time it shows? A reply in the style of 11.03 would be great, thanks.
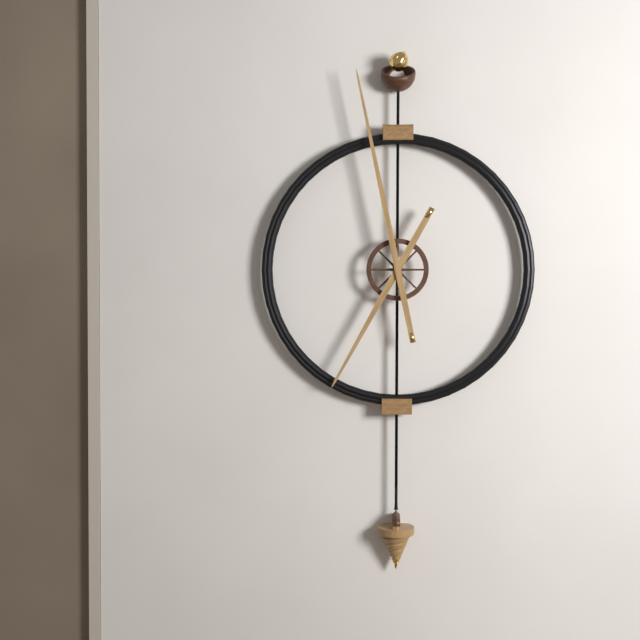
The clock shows 6.58
